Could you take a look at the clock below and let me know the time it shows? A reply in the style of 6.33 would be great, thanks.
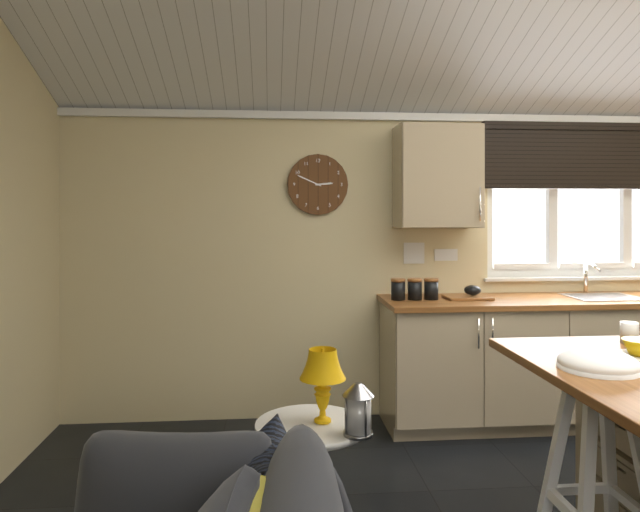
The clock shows 2.49
